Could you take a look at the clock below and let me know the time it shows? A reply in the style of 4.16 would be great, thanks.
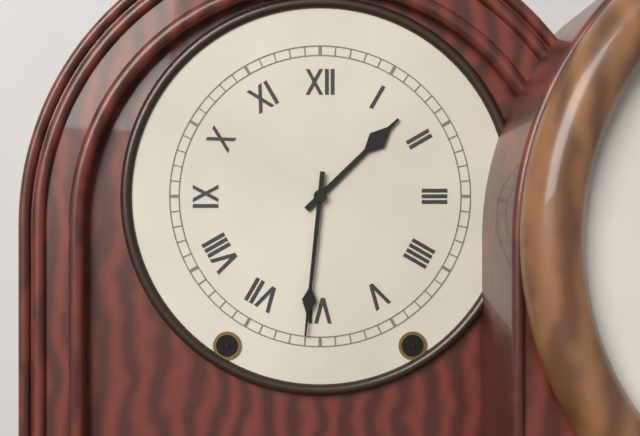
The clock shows 1.31
